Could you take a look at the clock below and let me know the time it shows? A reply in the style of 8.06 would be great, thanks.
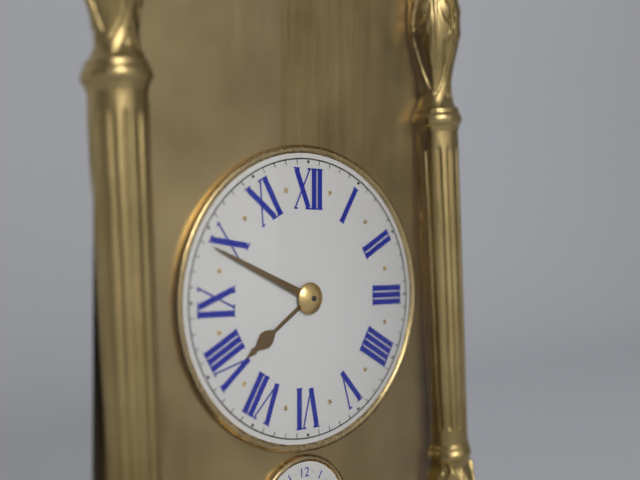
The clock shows 7.49
